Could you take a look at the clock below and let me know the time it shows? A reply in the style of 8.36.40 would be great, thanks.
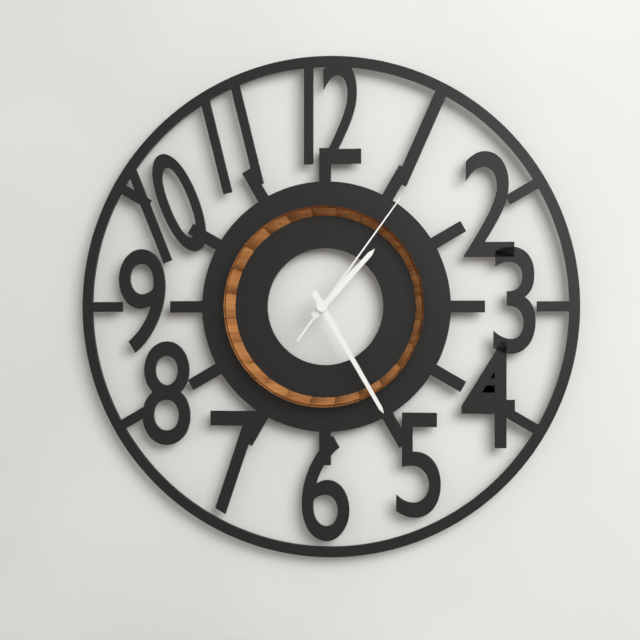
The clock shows 1.25.06
